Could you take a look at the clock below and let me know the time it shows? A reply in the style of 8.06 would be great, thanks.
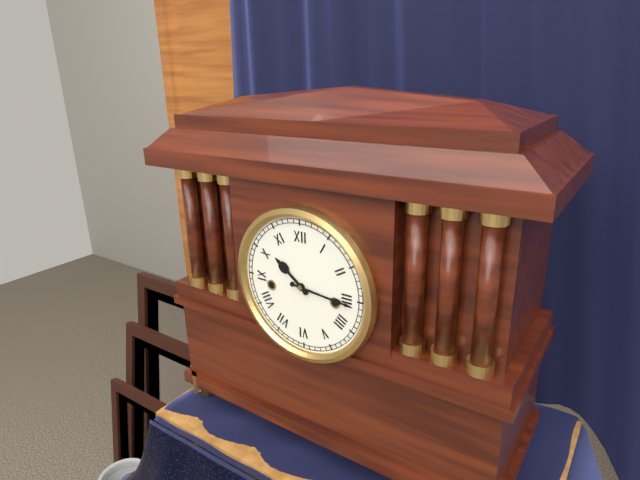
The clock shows 10.16
